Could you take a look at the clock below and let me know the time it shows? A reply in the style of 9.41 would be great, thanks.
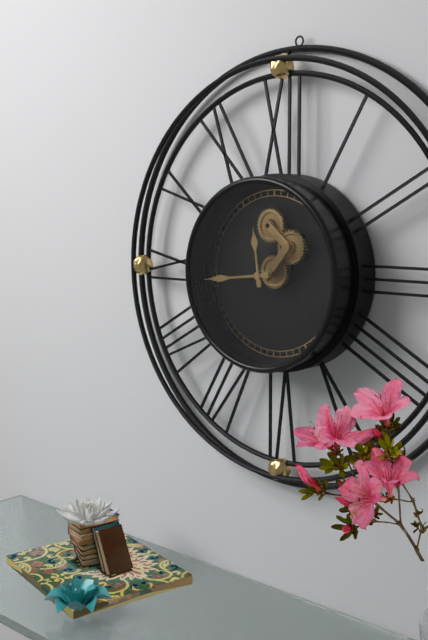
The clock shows 11.44
